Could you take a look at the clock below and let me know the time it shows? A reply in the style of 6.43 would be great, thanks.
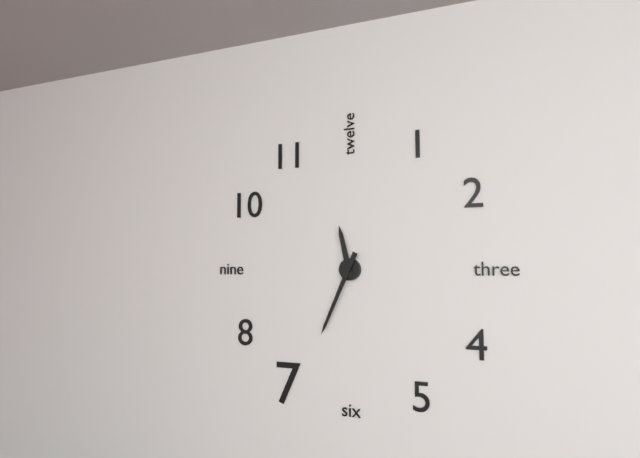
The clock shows 11.34
